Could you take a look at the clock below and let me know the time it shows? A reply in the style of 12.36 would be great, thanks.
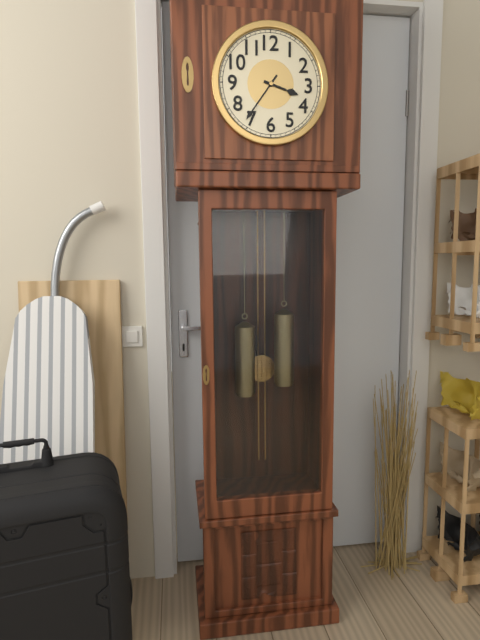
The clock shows 3.36
